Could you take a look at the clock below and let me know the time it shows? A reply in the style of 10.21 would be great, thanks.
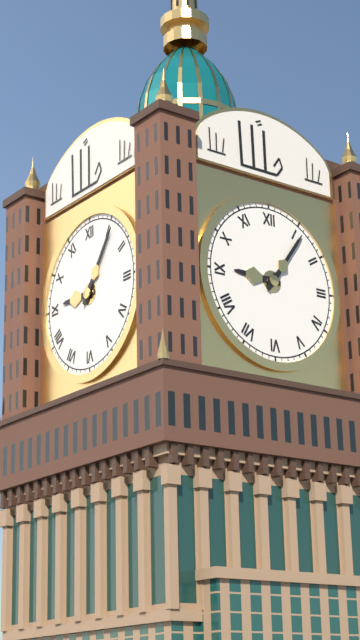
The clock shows 9.06
